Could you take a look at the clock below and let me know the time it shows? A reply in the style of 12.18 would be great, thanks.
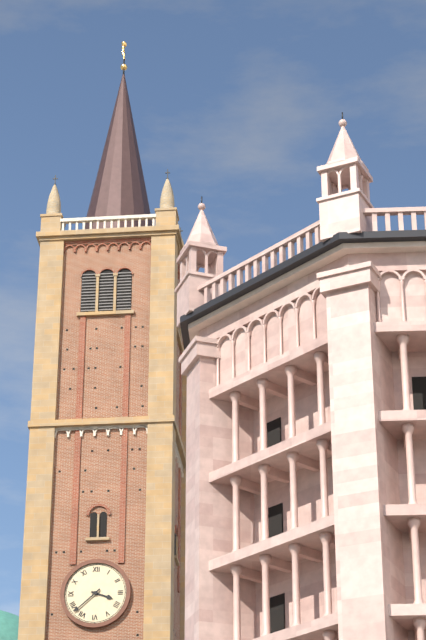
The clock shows 3.38
